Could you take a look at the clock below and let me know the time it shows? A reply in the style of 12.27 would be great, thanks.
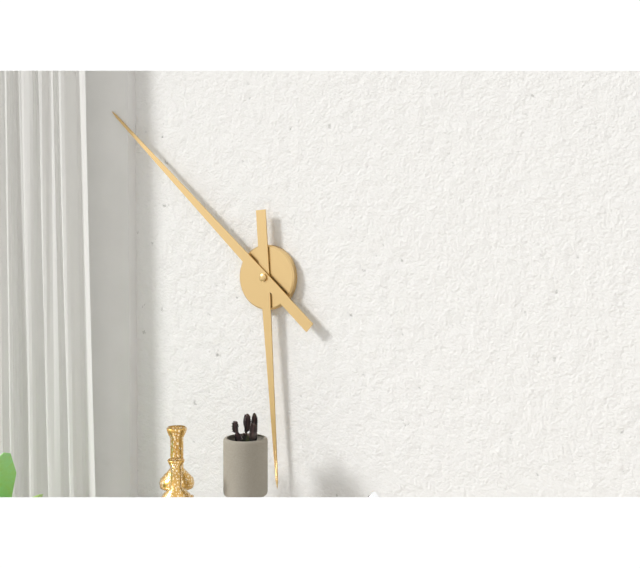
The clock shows 5.52
